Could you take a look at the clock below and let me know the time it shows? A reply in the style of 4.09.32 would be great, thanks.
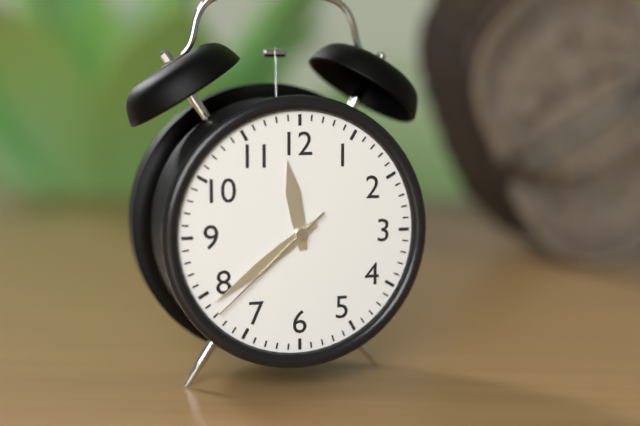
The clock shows 11.39.38
